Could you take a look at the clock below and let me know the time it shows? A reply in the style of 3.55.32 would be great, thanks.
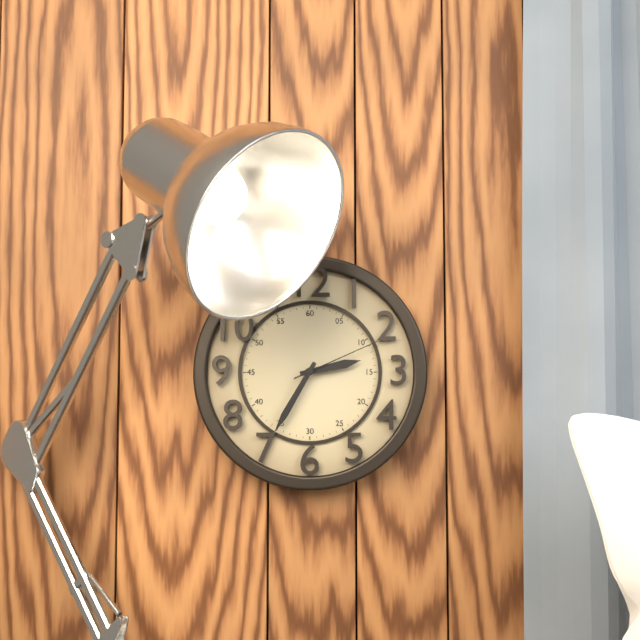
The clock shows 2.35.11
